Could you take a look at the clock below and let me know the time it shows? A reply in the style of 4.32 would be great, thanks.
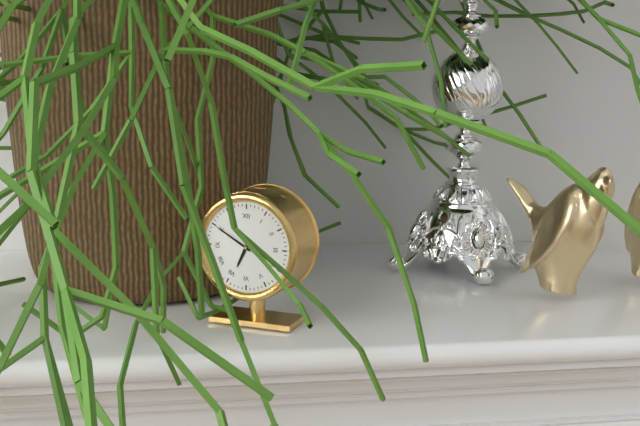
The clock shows 6.50
